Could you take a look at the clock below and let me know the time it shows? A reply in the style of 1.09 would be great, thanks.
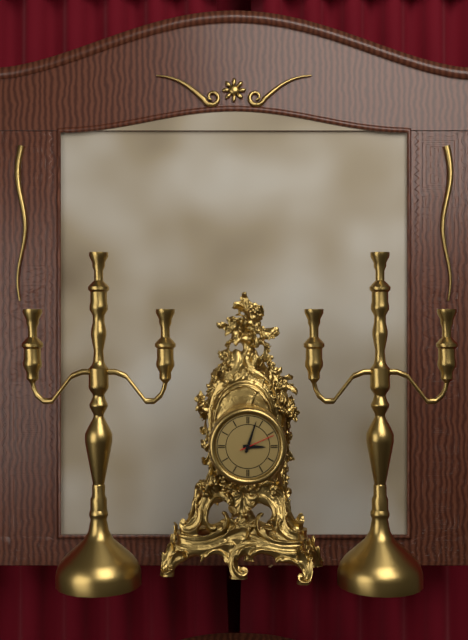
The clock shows 3.03
